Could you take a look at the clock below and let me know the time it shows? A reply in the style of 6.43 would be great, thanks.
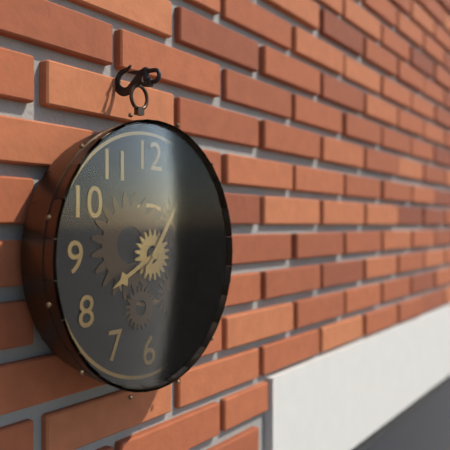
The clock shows 8.06
